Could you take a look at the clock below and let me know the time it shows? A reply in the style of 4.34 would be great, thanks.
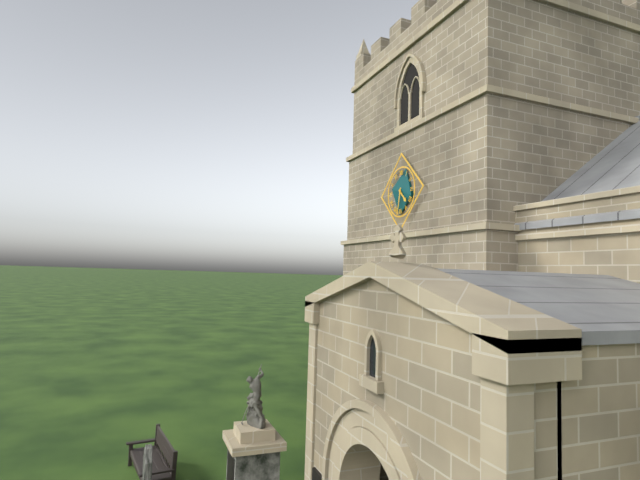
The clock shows 4.32
